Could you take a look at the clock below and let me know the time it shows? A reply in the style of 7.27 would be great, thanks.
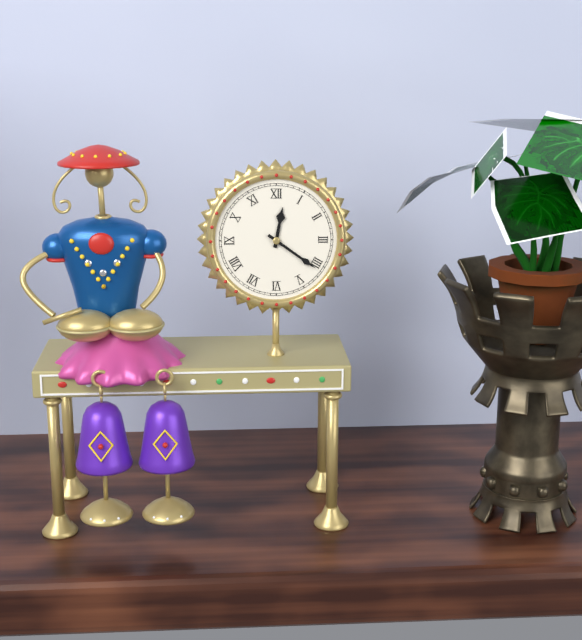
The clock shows 12.21
